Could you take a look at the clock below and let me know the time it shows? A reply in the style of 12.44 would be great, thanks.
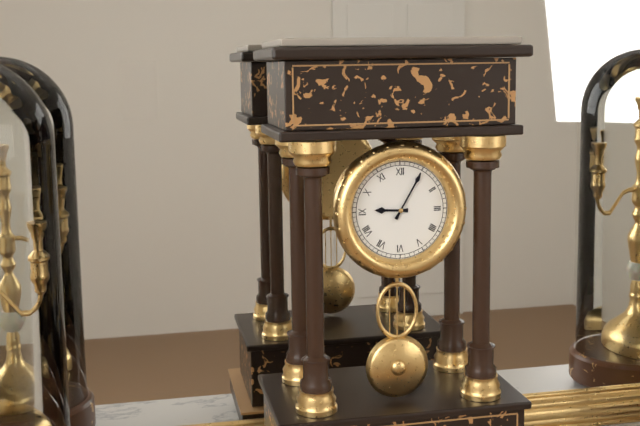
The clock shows 9.05
